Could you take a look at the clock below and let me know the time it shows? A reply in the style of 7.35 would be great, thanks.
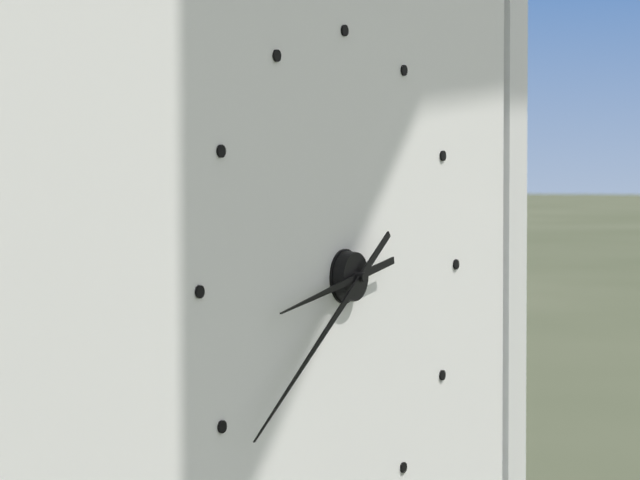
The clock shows 8.39
